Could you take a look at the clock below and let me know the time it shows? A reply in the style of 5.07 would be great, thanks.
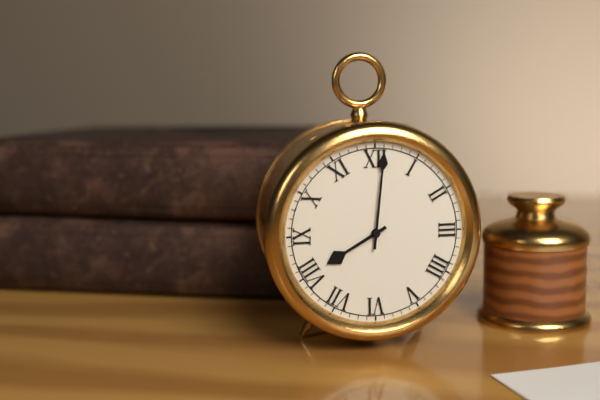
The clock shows 8.01
